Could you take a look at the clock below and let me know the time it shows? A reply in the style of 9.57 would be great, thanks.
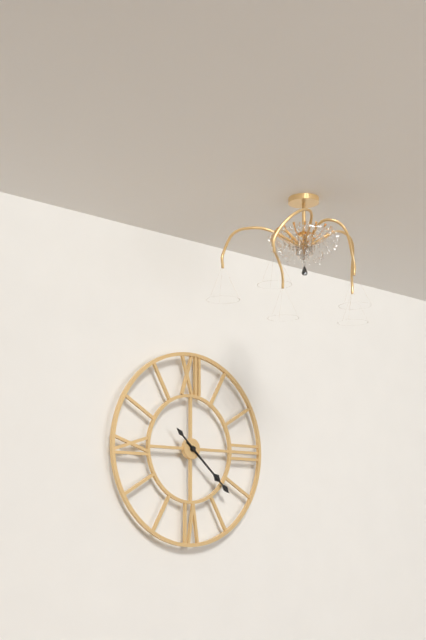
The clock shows 4.22
